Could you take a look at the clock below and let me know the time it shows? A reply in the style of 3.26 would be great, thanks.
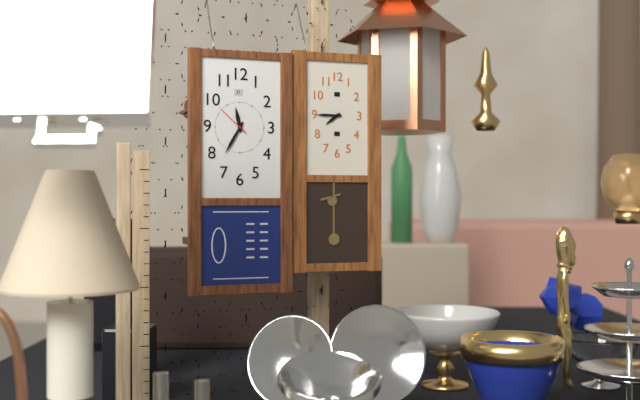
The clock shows 11.35
